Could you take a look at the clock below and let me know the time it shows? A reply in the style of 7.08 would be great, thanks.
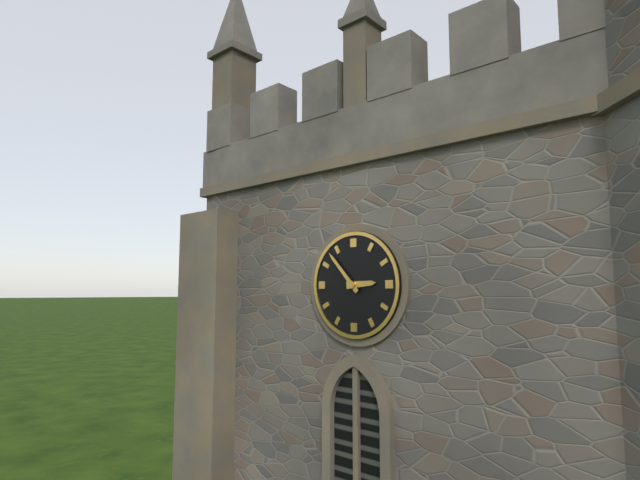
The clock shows 2.53
